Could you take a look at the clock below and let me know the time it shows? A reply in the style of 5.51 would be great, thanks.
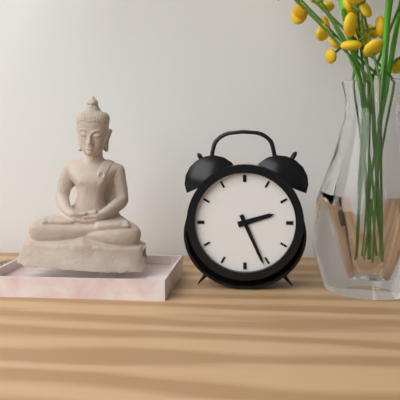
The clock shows 2.26
